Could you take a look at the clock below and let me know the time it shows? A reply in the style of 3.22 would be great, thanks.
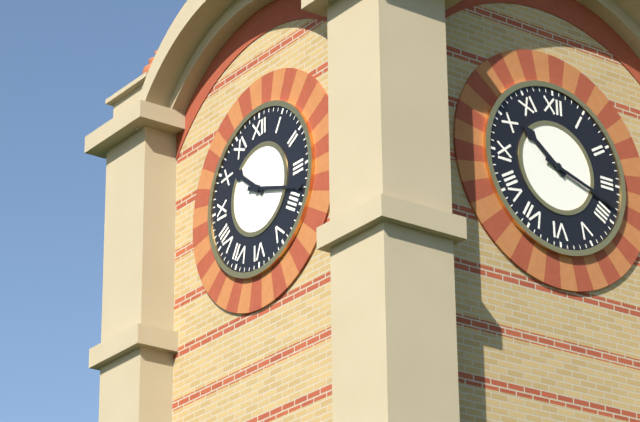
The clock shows 10.18
